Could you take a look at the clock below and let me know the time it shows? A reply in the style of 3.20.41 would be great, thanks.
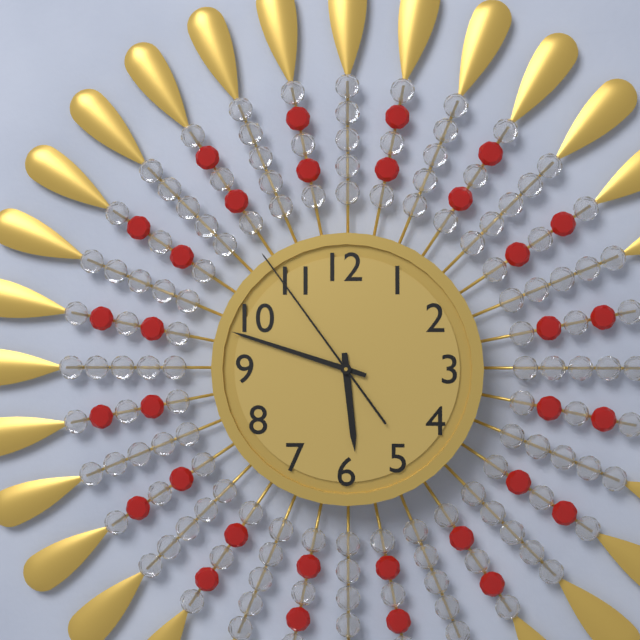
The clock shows 5.48.54
